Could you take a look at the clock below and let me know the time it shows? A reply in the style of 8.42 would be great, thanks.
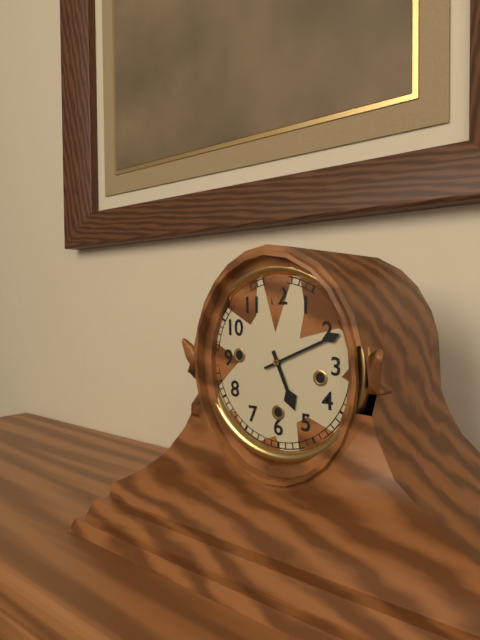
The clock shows 5.11
